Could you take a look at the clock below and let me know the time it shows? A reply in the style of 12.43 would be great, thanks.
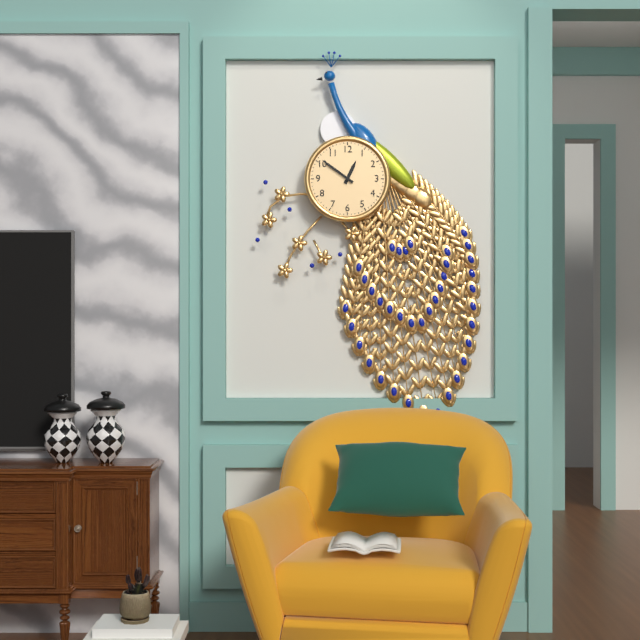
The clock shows 12.51
